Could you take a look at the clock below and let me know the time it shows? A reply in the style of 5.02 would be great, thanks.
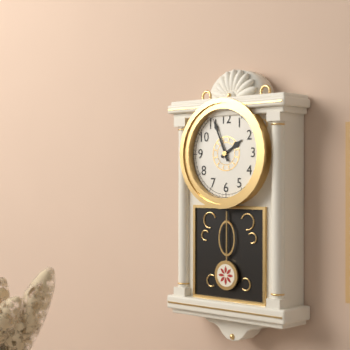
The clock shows 1.56
